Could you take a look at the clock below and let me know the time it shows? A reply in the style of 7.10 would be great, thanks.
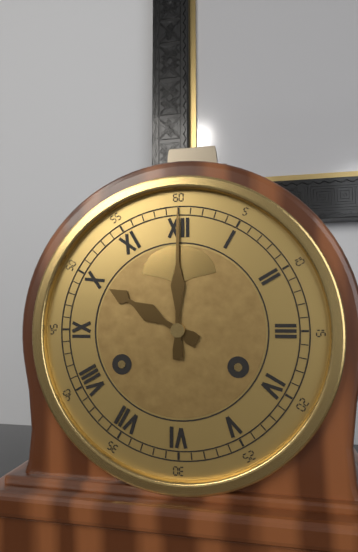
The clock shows 10.00
